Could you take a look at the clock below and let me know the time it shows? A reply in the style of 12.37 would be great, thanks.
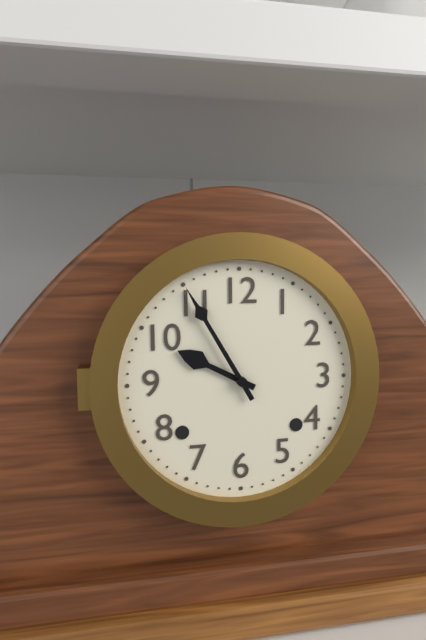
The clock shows 9.55
